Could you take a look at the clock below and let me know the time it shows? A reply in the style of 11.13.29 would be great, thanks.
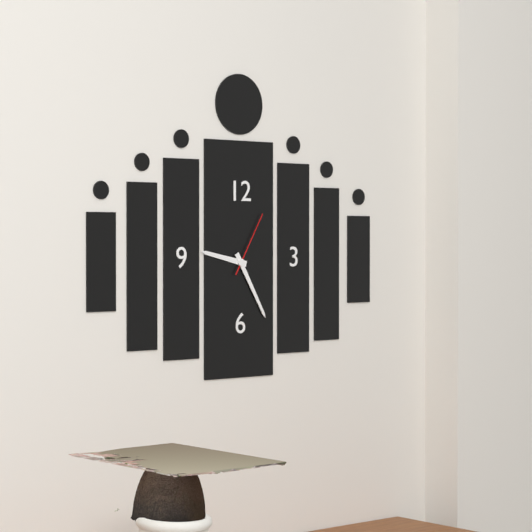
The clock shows 9.25.05
